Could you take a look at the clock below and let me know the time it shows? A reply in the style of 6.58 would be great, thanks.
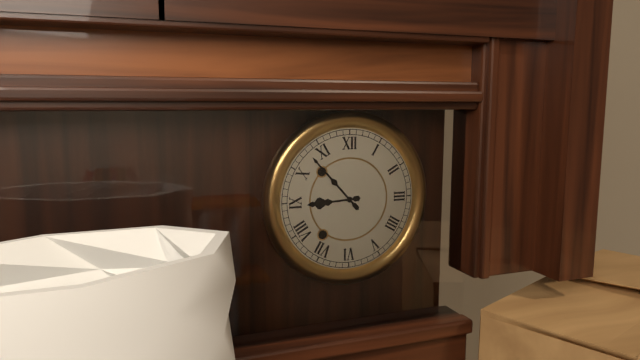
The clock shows 8.53
